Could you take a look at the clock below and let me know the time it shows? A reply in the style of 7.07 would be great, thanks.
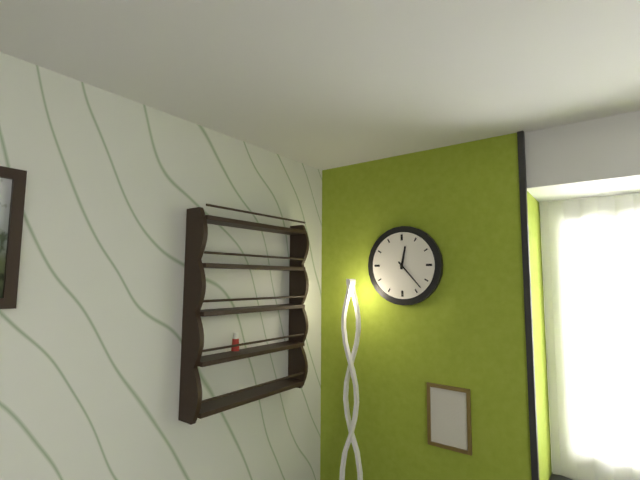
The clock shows 12.23
